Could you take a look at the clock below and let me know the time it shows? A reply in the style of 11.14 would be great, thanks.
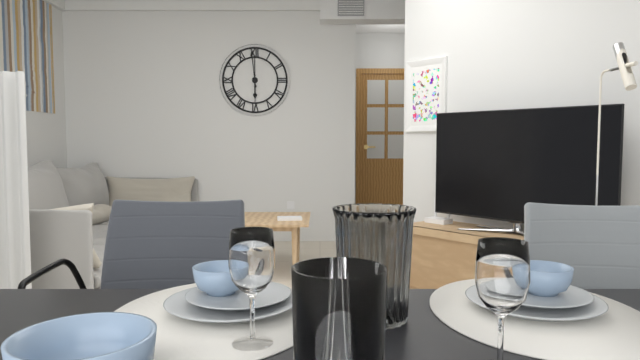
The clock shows 5.59
